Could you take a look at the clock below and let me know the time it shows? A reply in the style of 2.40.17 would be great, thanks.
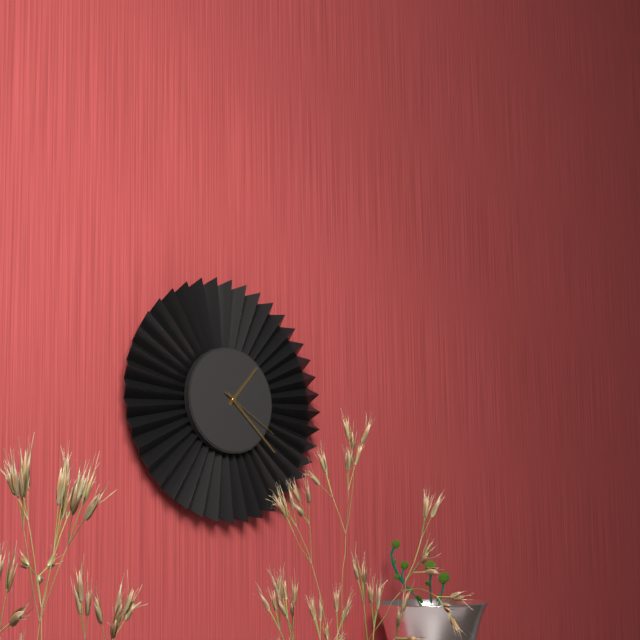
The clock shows 1.22.20
